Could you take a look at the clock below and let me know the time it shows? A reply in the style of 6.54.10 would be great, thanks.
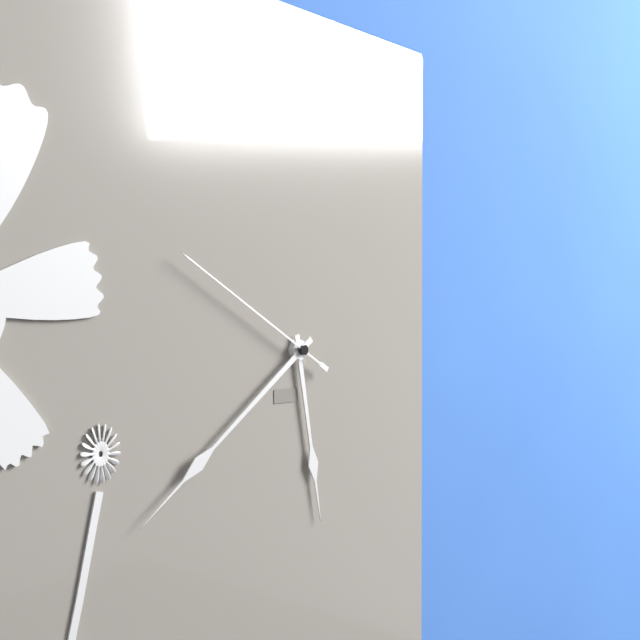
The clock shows 5.39.50
